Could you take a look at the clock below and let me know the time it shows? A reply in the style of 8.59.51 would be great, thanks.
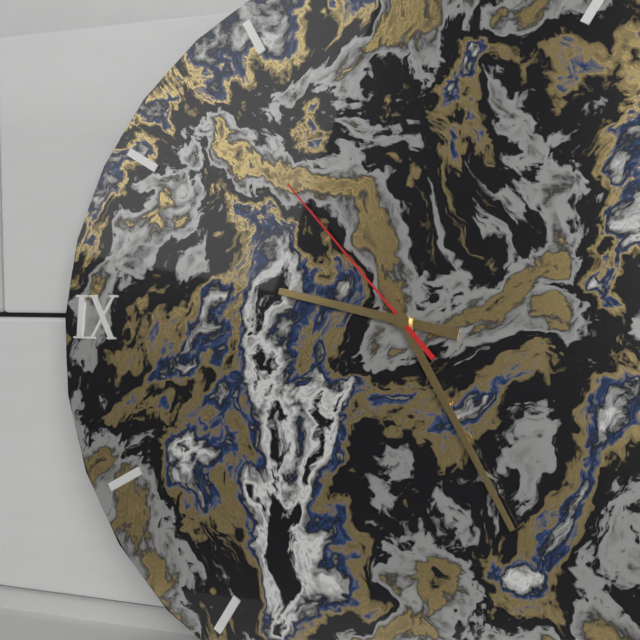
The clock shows 9.25.53
